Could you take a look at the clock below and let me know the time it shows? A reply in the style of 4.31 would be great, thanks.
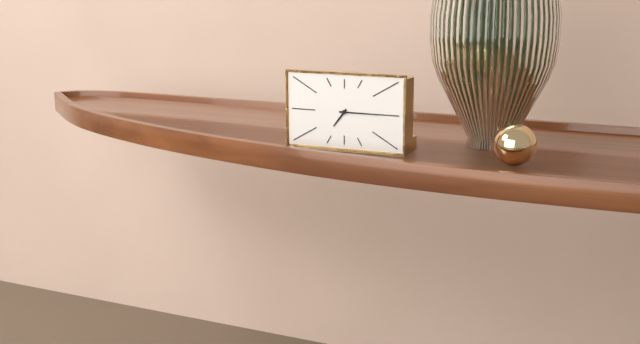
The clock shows 7.15
